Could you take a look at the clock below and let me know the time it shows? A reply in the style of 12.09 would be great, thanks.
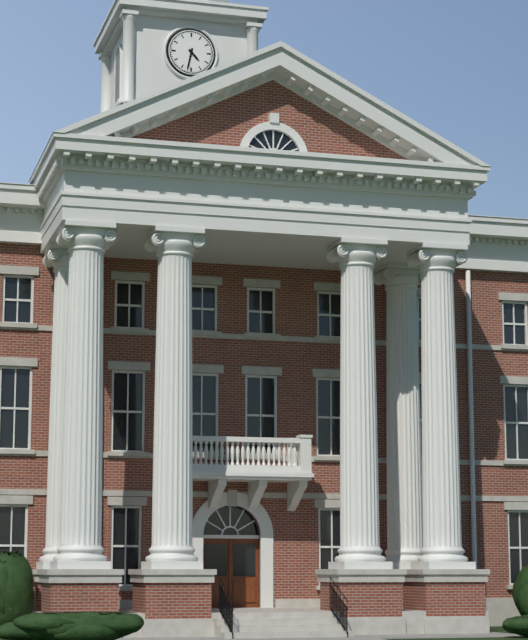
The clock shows 4.32
